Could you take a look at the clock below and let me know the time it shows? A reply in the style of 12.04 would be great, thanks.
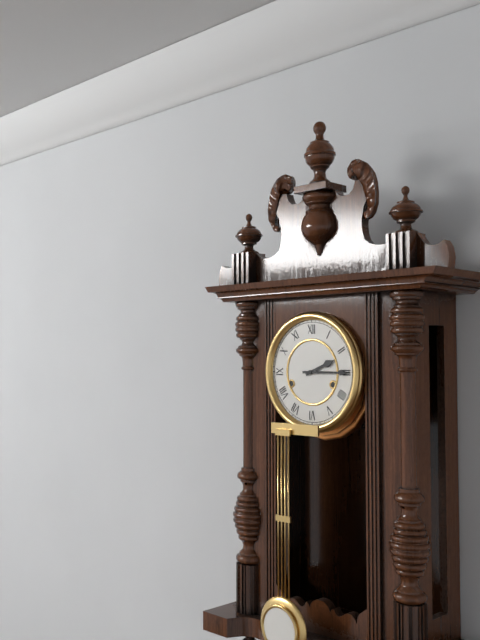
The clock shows 2.15
